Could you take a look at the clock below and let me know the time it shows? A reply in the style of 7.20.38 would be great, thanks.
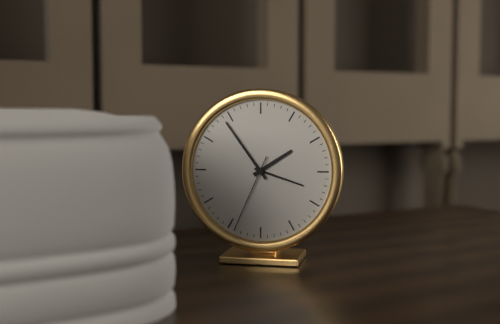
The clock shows 1.54.34
